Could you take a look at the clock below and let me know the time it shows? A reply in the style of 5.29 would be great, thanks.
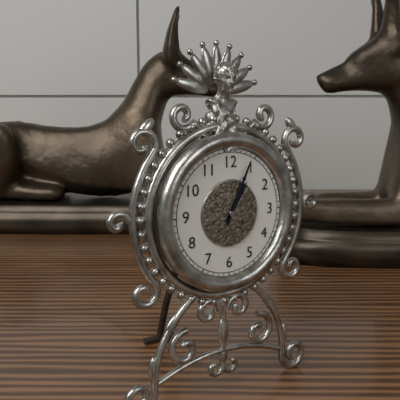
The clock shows 1.04
